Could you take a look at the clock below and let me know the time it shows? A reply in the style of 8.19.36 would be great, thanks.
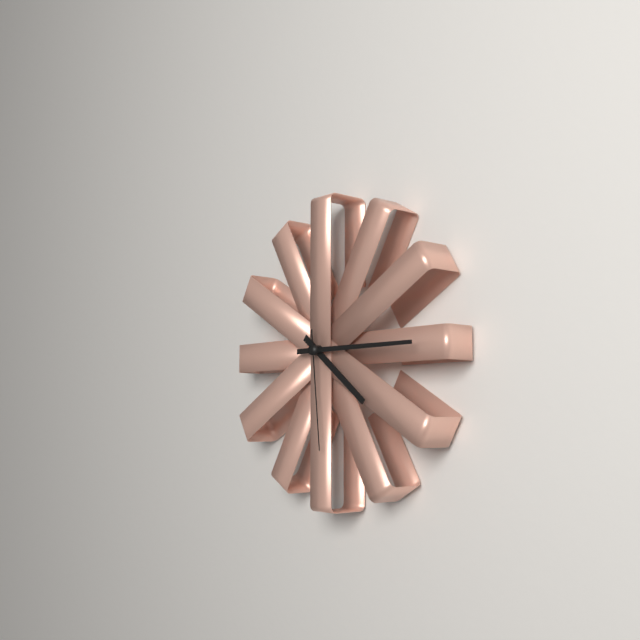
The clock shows 4.15.29
